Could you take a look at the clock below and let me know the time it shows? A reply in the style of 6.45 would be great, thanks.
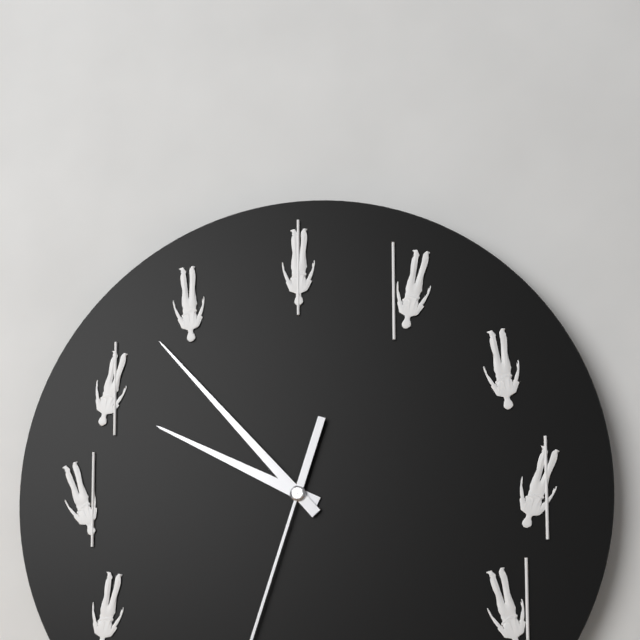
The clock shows 9.53
